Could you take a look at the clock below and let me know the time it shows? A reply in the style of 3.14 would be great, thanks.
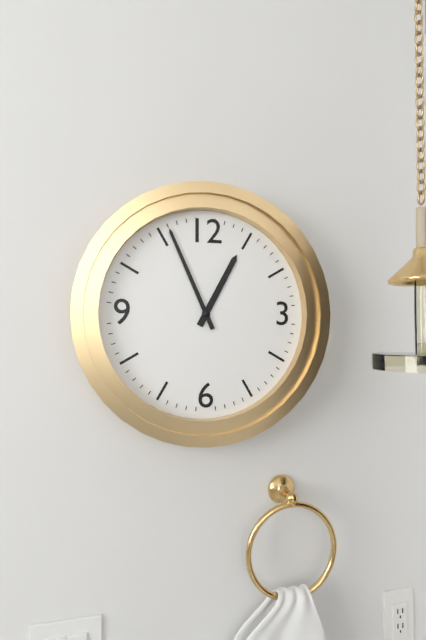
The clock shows 12.56
